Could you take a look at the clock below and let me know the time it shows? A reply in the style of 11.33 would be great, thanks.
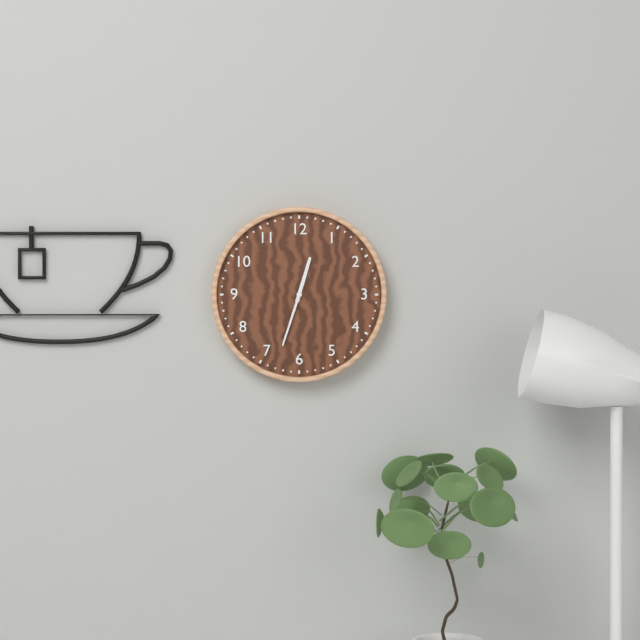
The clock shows 12.33
